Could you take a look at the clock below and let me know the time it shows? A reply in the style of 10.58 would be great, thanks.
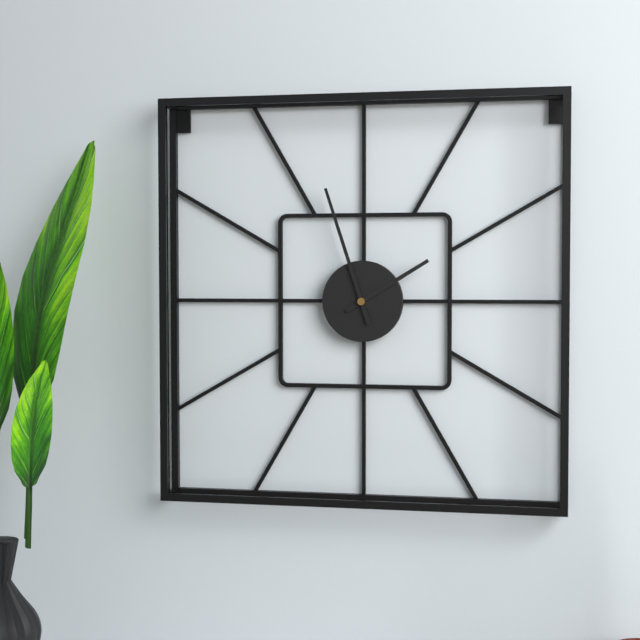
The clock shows 1.57
